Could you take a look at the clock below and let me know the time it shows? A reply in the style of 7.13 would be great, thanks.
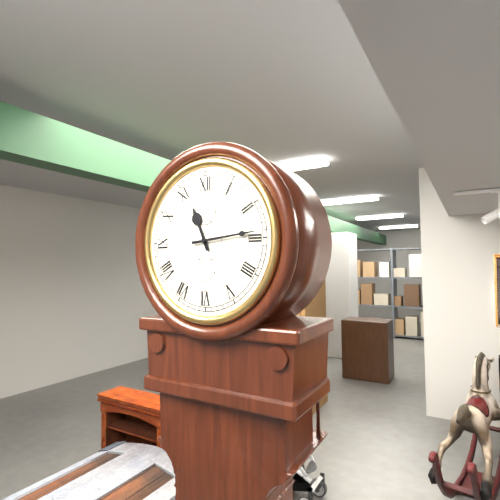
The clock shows 11.14
